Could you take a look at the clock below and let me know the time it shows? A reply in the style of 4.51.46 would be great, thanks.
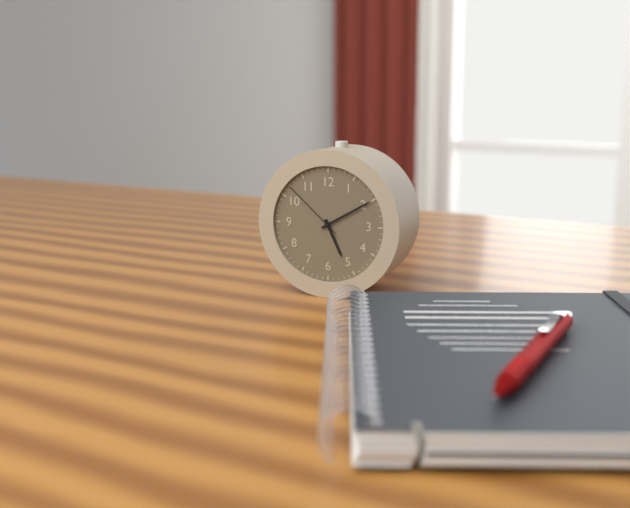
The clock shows 5.10.52
